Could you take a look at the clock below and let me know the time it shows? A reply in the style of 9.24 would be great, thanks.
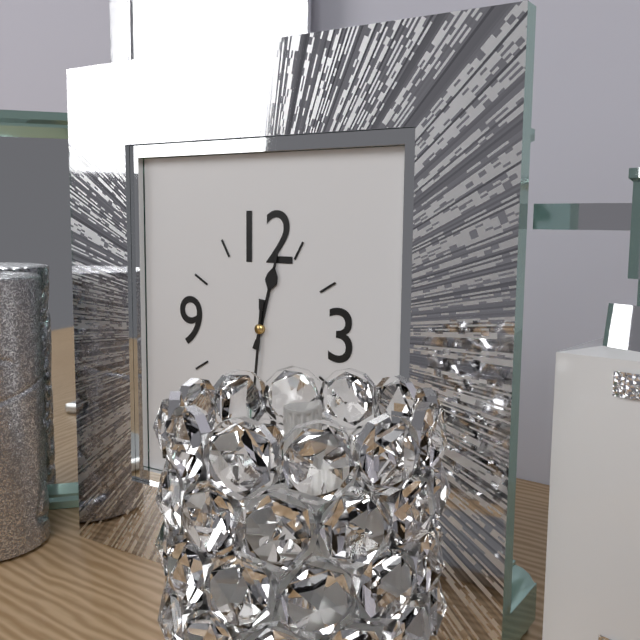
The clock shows 12.31
